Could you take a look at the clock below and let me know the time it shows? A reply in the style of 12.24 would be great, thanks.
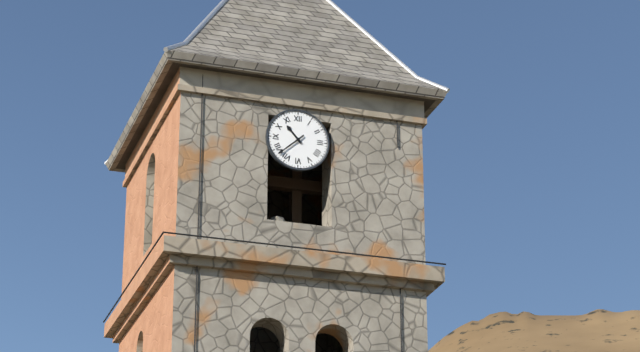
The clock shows 10.38
